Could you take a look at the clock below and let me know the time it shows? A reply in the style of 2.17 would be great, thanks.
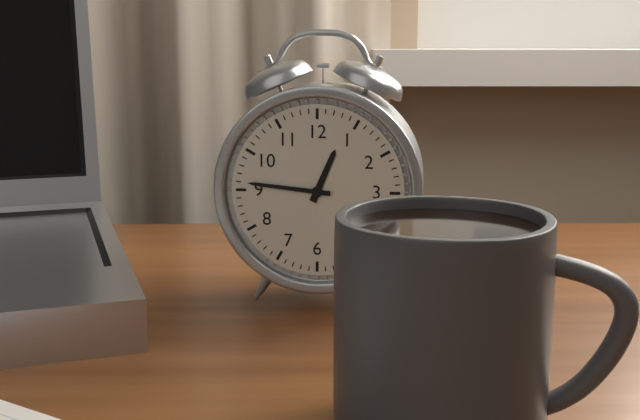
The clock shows 12.46
